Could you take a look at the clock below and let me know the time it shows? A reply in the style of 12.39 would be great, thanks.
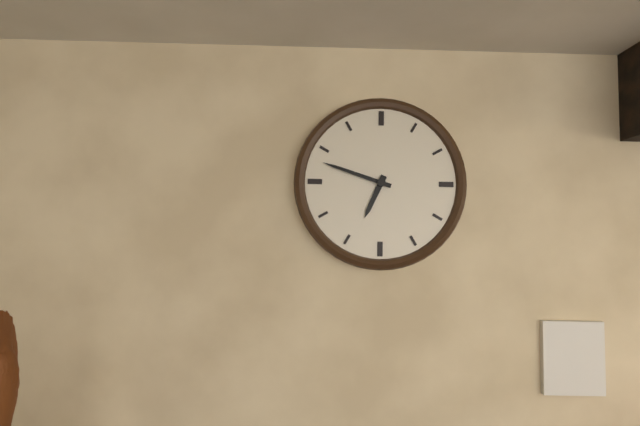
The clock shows 6.48
